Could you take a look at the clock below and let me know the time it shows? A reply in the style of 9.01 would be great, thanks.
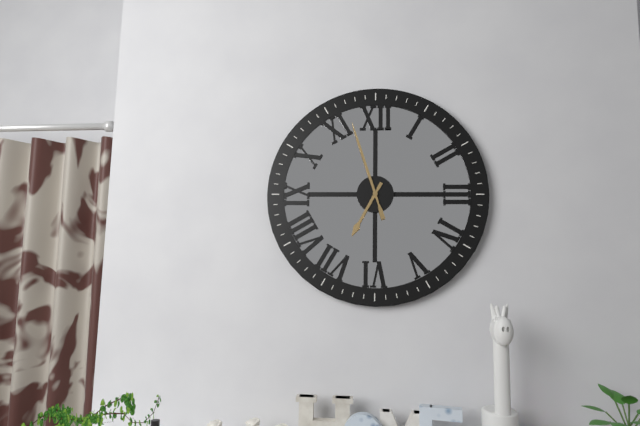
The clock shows 6.57
